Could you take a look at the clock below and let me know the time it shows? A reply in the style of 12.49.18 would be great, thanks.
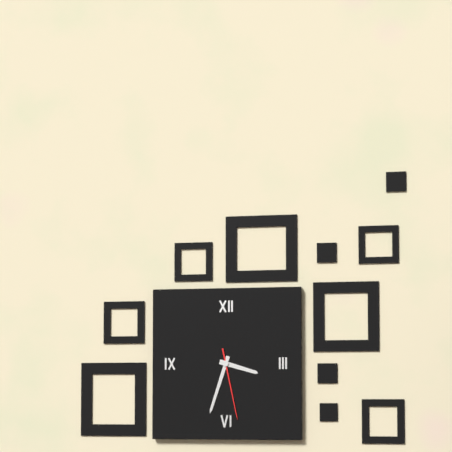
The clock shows 3.33.28
